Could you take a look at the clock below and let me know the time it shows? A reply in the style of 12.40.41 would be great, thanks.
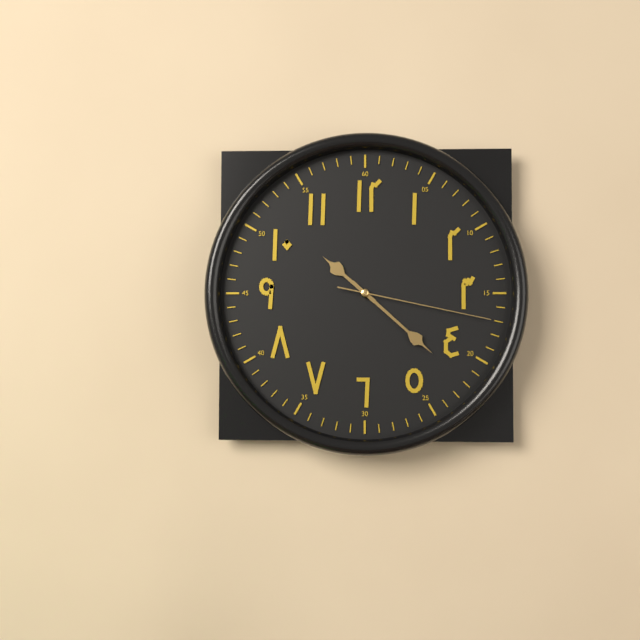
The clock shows 10.22.17
